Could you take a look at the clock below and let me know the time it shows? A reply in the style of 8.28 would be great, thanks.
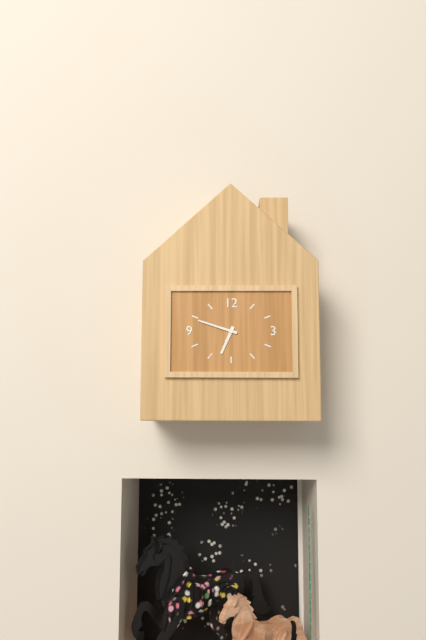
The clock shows 6.48
